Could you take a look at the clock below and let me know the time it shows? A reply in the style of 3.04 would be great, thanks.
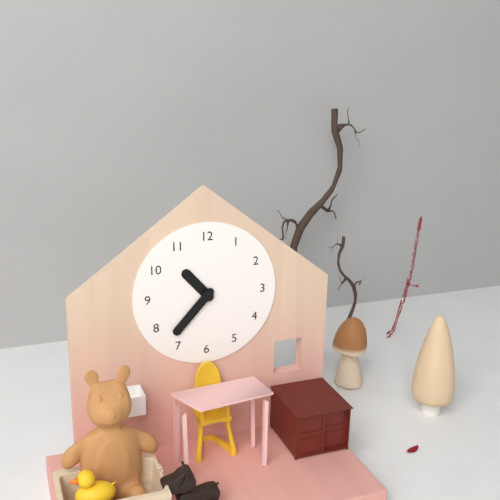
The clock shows 10.37
